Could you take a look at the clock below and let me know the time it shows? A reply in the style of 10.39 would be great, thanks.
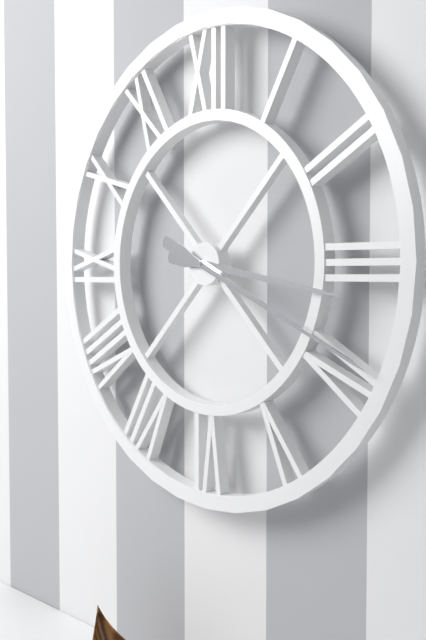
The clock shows 3.19
